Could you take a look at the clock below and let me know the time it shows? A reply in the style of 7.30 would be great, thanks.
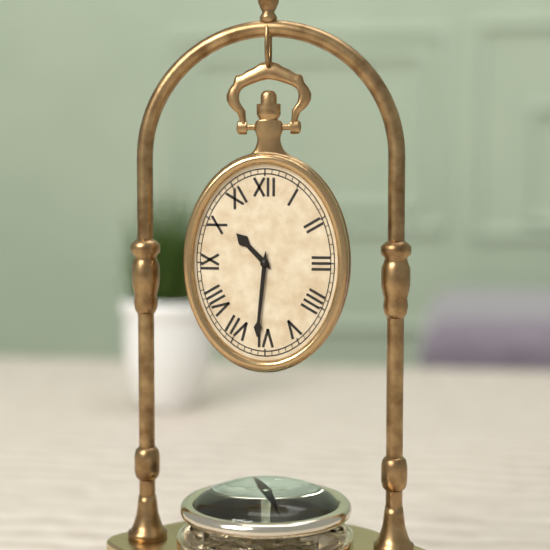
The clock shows 10.31
